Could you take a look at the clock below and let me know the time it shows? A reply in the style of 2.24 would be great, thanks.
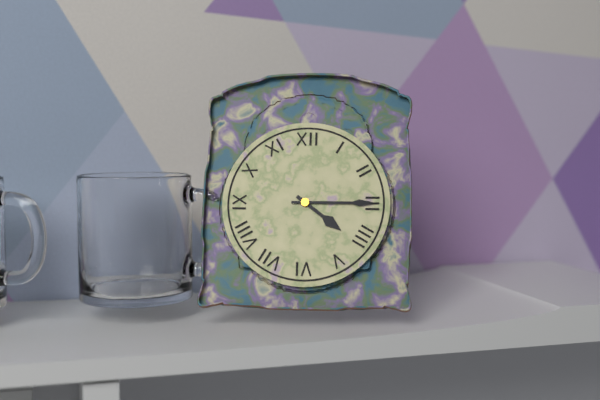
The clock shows 4.15
